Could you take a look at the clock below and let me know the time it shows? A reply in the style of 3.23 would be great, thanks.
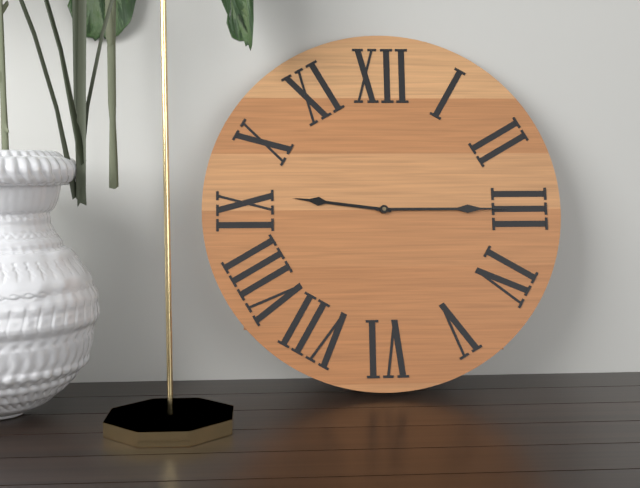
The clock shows 9.15
